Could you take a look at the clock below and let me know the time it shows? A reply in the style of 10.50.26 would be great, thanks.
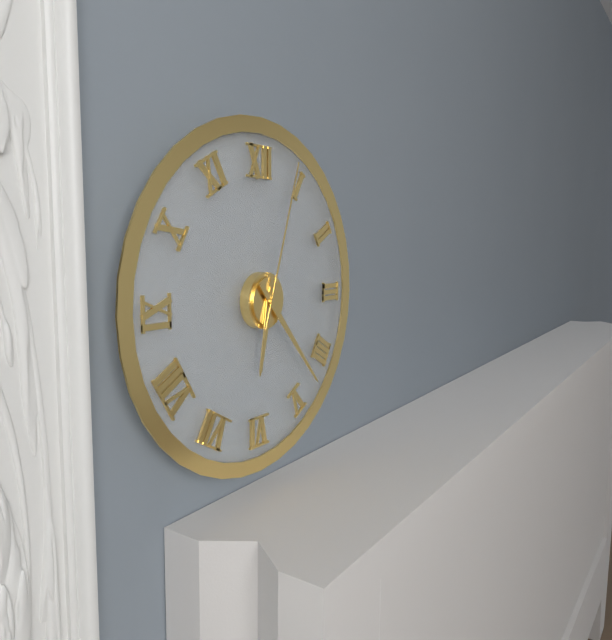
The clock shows 6.23.03
